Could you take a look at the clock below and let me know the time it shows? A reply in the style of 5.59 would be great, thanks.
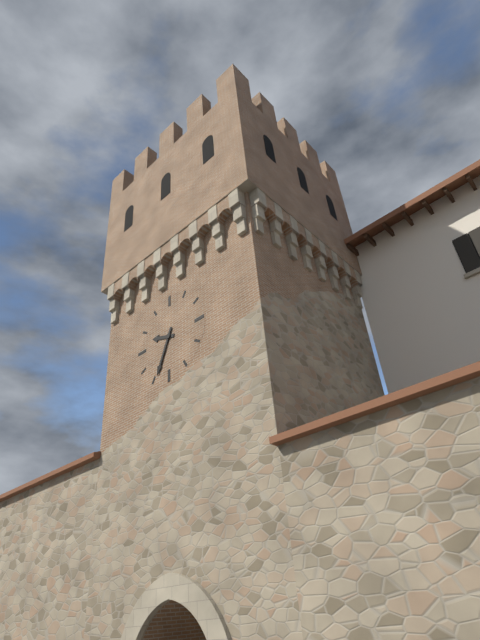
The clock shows 9.34
